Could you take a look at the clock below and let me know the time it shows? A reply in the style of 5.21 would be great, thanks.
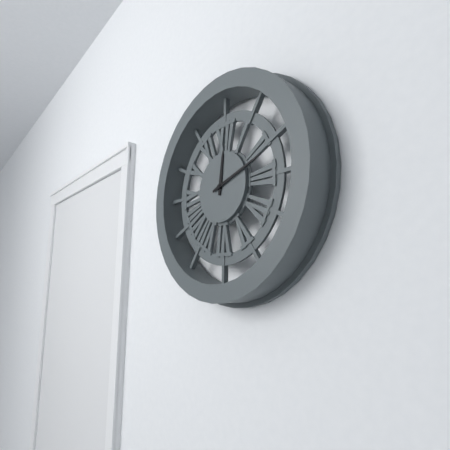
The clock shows 12.12
